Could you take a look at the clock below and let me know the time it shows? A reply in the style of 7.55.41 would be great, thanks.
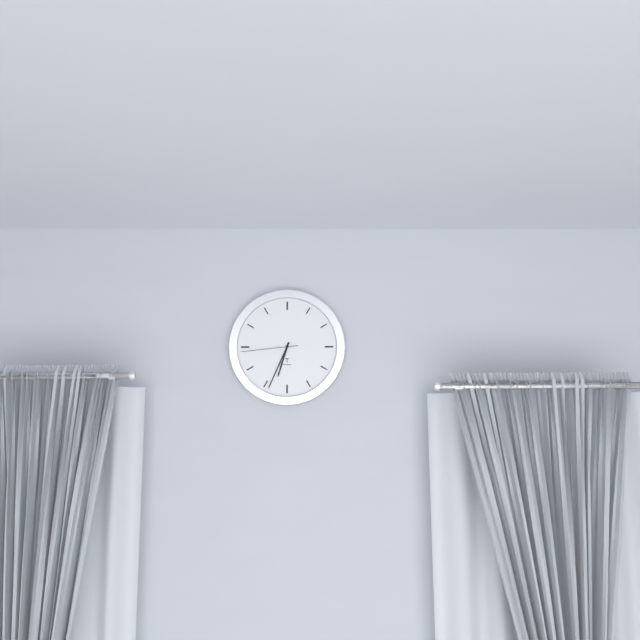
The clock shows 6.34.44
